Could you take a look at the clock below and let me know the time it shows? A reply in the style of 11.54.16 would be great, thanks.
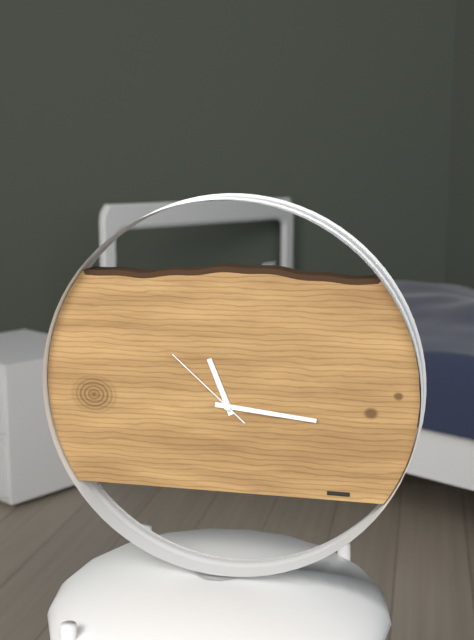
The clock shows 11.16.52
